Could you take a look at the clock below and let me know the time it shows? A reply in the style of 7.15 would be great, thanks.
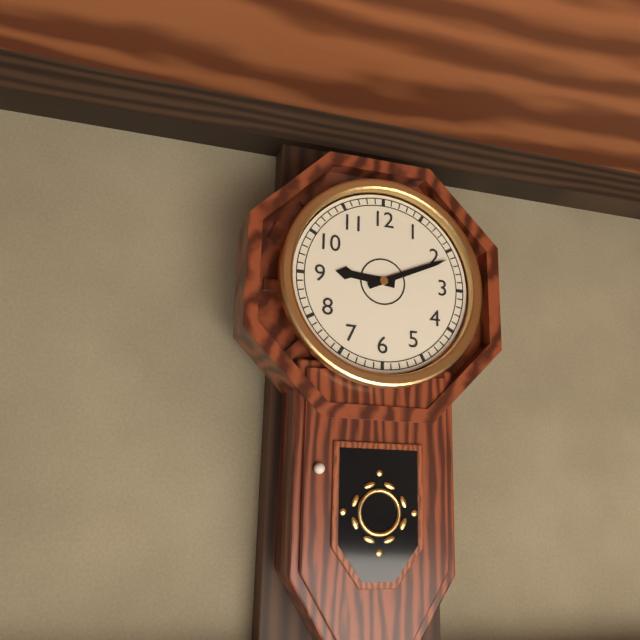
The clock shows 9.11
